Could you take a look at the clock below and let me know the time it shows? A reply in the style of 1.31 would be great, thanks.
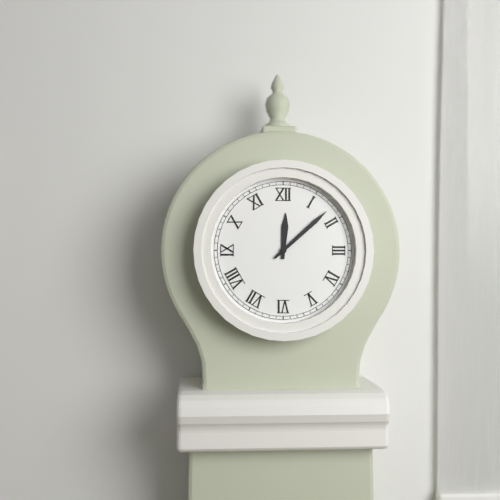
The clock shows 12.08
